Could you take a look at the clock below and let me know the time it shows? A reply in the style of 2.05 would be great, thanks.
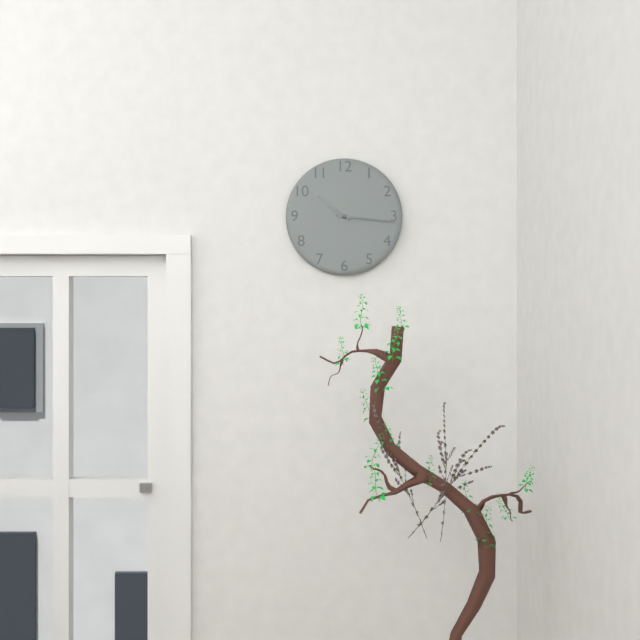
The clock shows 10.16
